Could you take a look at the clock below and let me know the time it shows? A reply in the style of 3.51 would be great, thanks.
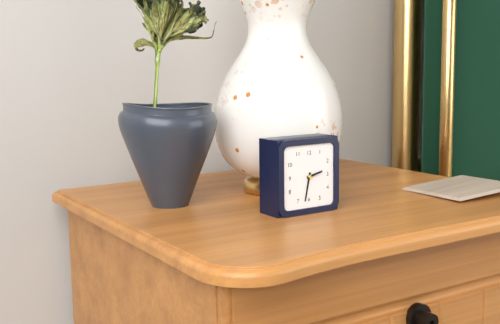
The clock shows 2.32
